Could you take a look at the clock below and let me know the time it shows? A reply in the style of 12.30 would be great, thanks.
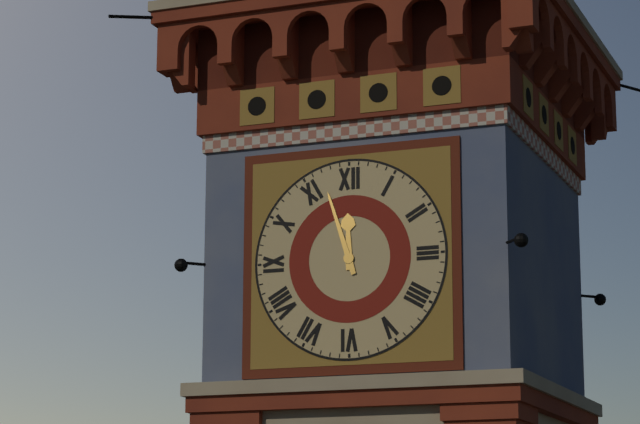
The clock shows 11.57
